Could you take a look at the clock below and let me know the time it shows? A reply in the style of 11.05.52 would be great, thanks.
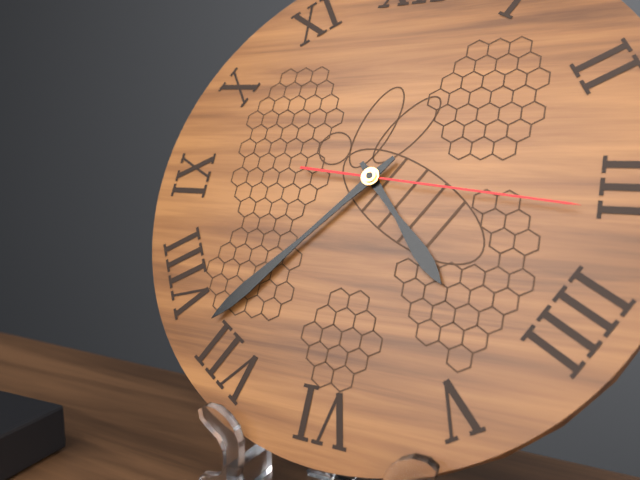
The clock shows 4.37.16
